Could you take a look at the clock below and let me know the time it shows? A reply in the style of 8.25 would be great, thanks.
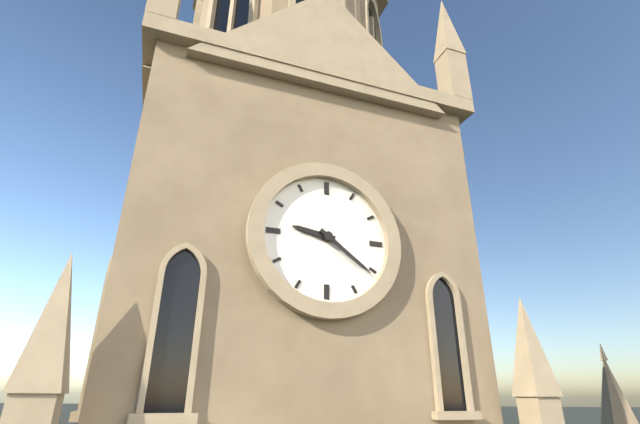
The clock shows 9.21
